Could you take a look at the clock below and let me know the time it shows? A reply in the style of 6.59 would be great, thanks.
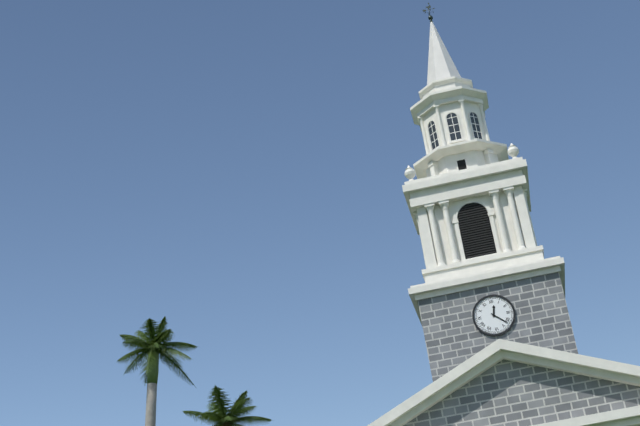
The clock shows 12.22
